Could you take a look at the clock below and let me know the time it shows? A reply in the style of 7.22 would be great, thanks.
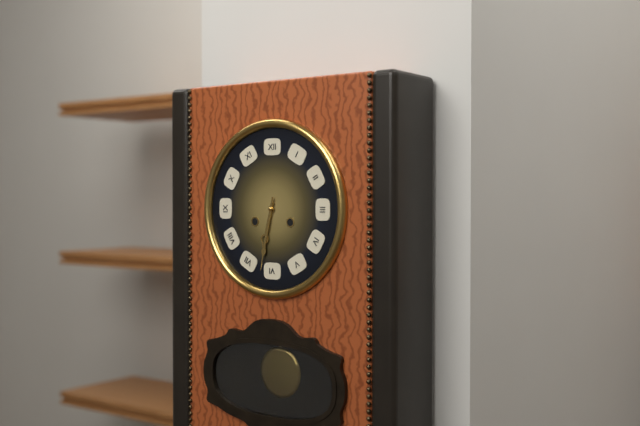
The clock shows 6.32
